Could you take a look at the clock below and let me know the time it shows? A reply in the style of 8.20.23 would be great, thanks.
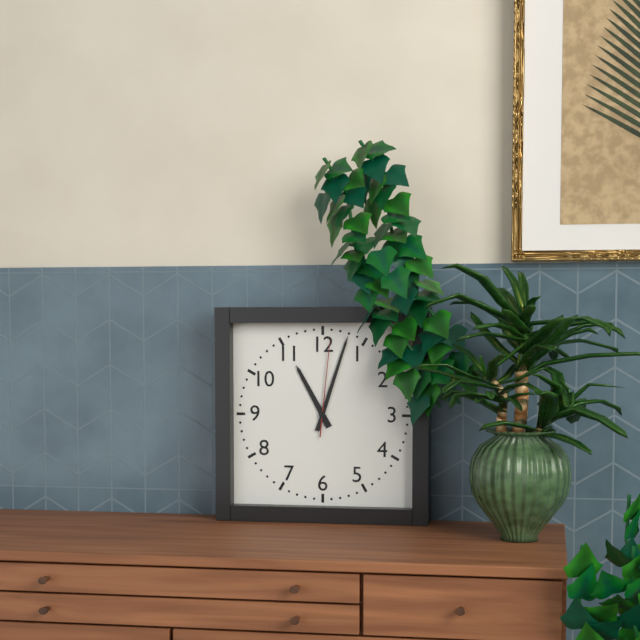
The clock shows 11.03.01
